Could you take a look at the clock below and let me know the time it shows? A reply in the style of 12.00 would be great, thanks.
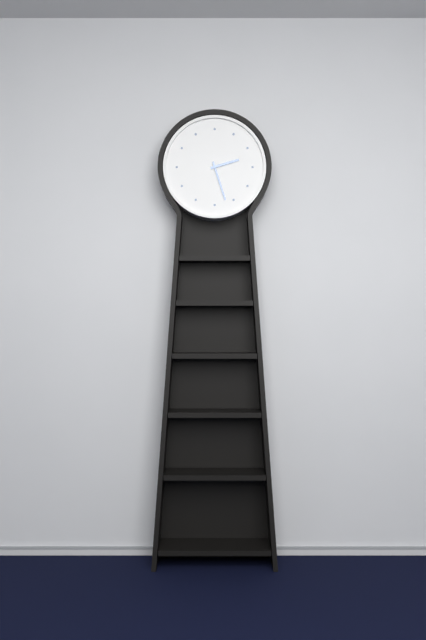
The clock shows 2.27
